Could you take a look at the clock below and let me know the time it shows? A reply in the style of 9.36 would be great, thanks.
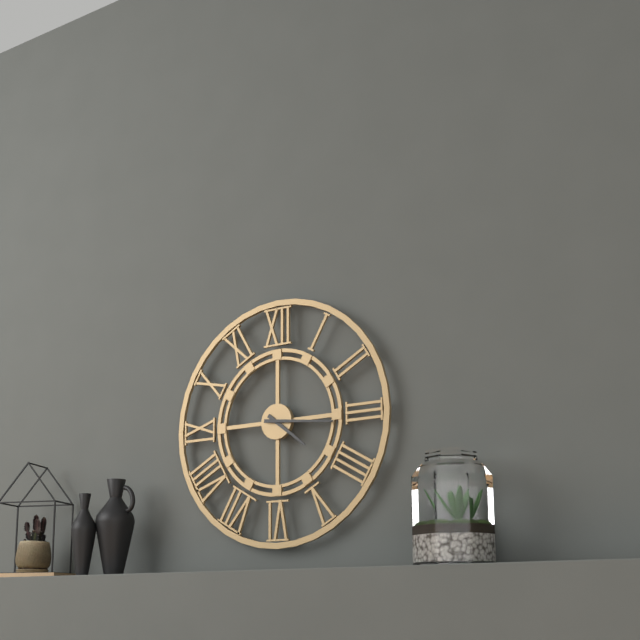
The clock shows 4.16
